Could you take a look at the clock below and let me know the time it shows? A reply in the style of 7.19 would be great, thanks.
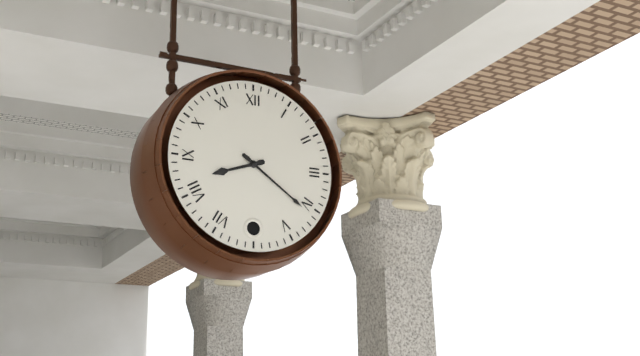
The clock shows 8.21
